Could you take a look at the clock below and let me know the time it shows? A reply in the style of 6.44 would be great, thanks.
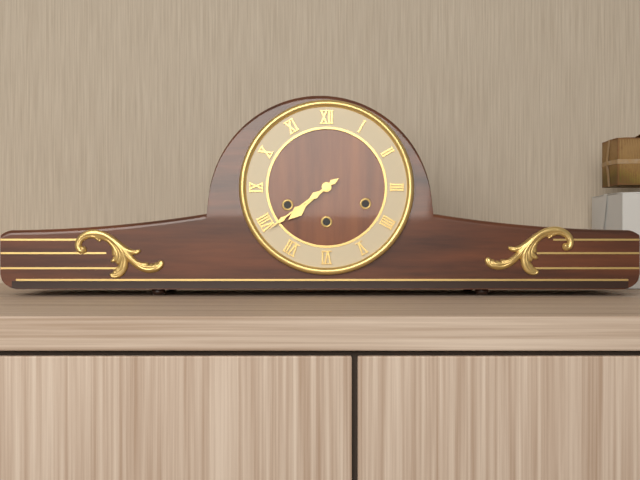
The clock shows 7.39
